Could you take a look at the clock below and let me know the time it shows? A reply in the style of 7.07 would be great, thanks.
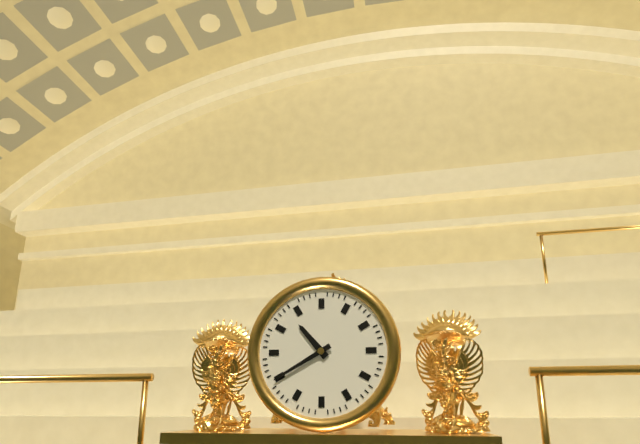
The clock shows 10.40
